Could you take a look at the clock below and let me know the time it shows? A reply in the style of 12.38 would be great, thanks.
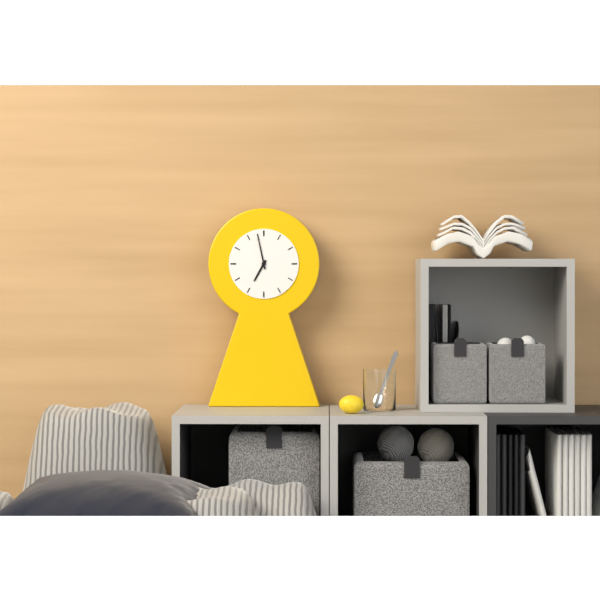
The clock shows 6.58
